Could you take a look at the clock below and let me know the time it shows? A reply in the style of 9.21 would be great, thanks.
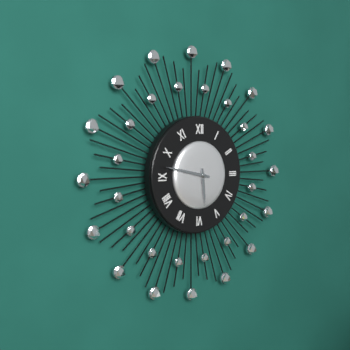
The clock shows 5.47
